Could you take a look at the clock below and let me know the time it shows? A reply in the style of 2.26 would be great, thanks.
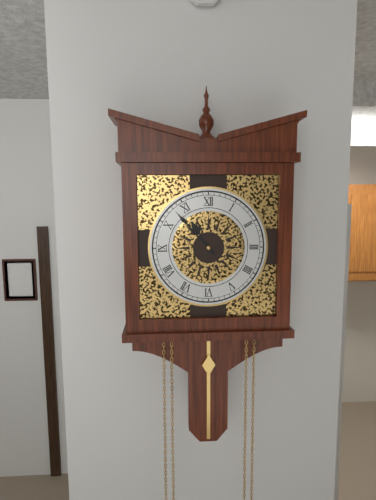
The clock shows 10.53
